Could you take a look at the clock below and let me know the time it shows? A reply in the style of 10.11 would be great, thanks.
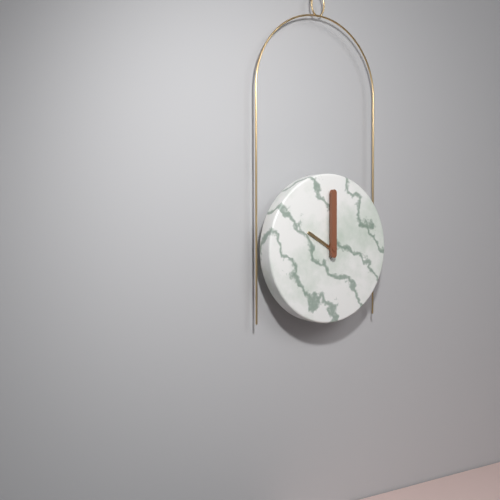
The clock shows 10.00
